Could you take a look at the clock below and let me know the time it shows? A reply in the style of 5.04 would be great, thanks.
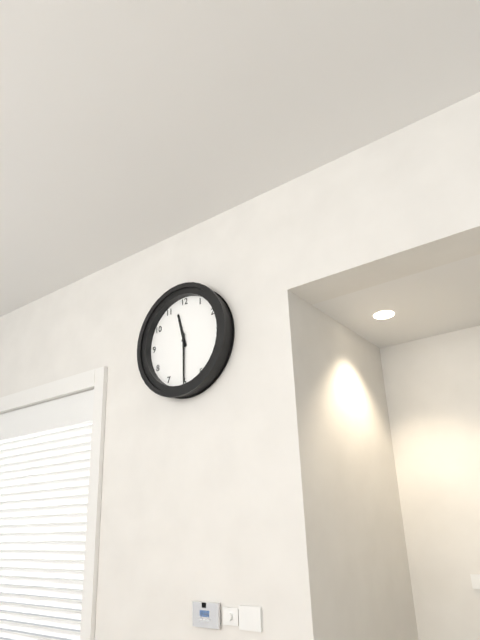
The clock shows 11.30
